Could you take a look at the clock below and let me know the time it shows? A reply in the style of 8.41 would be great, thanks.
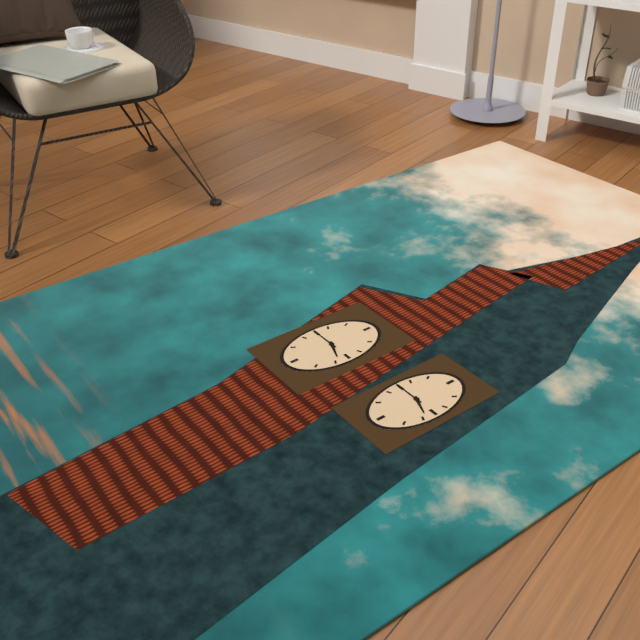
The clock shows 3.45
